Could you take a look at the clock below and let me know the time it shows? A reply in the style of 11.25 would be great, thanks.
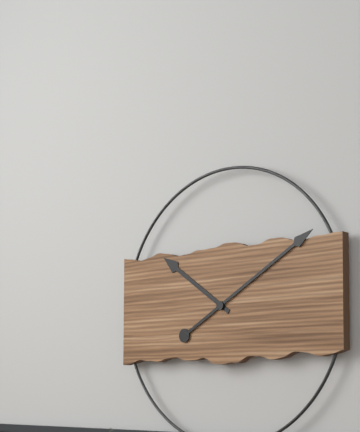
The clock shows 10.10
